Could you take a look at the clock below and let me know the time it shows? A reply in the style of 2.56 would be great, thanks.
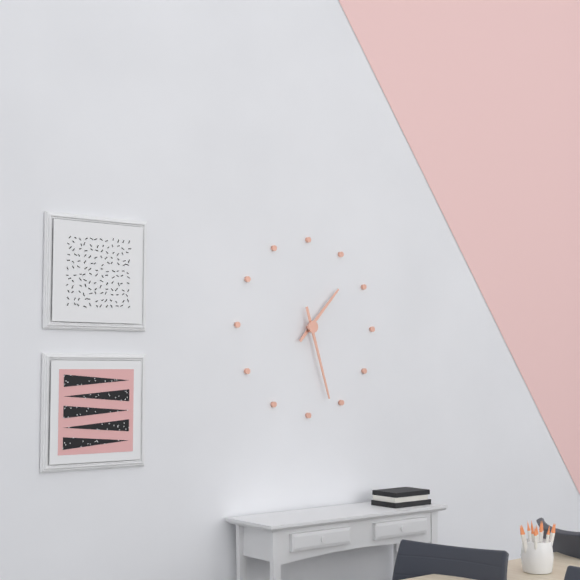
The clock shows 1.27
